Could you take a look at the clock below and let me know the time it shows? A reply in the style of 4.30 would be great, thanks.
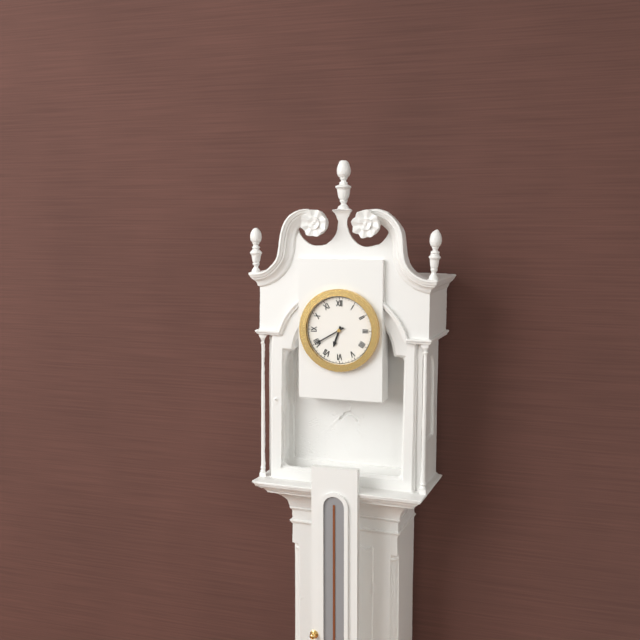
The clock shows 6.40
